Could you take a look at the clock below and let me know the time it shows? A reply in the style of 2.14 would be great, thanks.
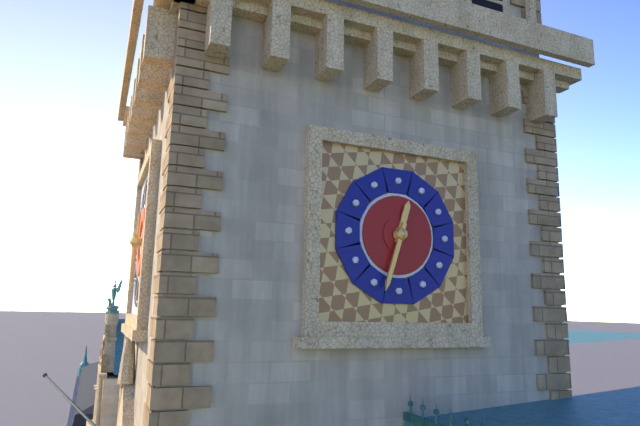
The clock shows 12.33
